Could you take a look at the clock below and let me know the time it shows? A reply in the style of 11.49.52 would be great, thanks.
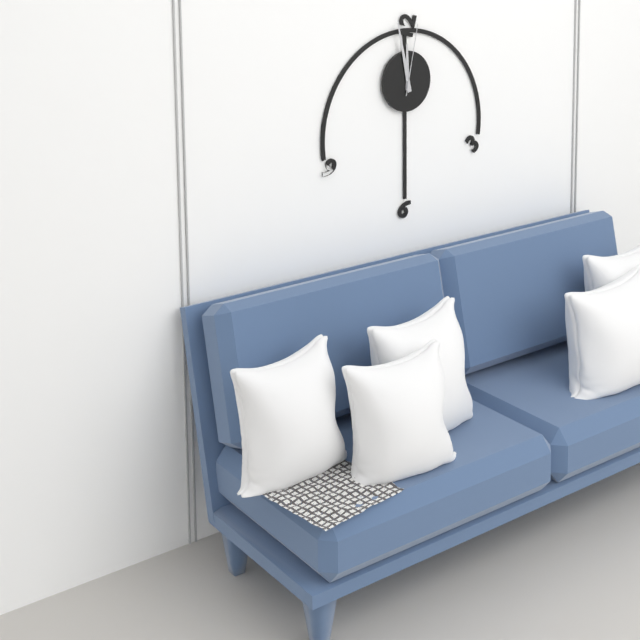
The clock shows 11.58.02
